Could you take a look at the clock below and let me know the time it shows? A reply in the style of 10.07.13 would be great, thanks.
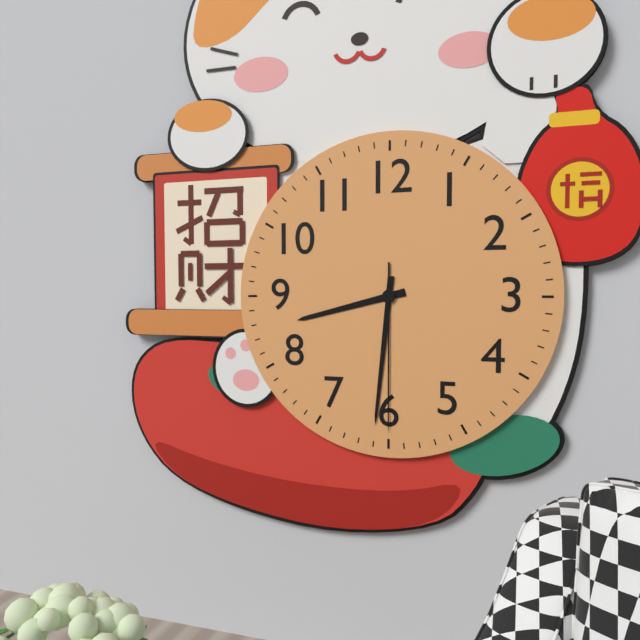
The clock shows 8.31.30
